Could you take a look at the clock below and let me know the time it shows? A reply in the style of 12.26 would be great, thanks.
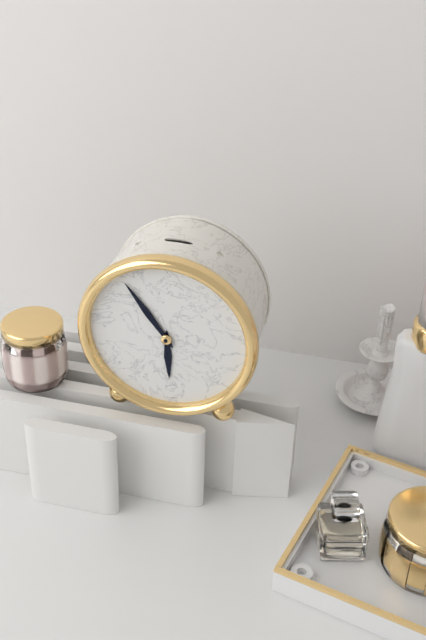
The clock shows 5.54
